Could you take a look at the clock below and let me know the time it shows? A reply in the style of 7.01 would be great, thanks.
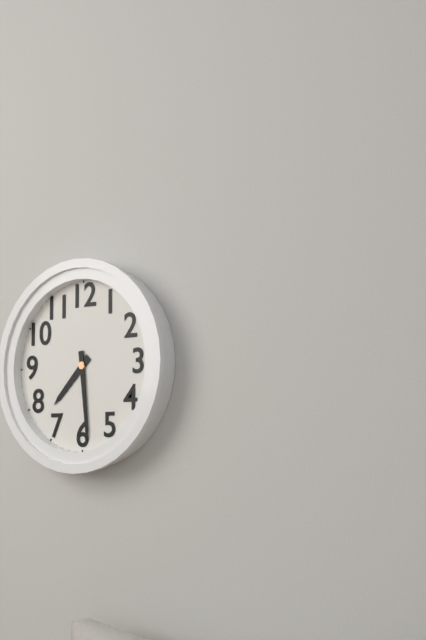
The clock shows 7.29
